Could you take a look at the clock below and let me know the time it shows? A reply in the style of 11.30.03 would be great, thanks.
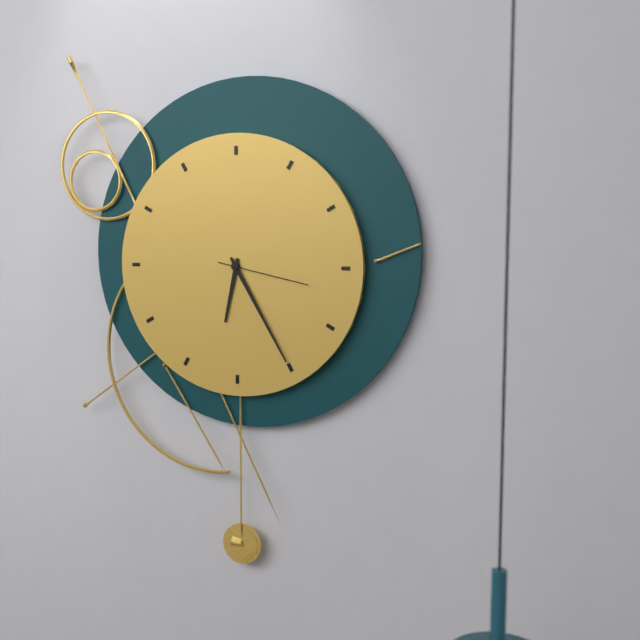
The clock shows 6.25.17
